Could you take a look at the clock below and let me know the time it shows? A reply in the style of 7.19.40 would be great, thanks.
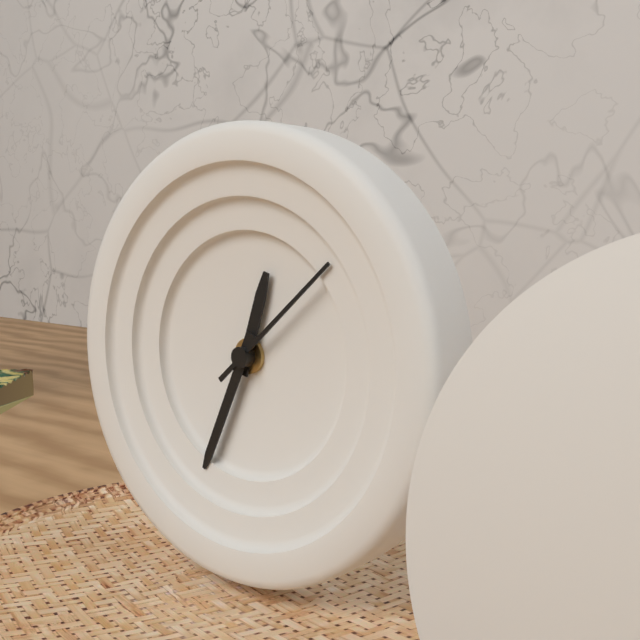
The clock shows 12.34.08
